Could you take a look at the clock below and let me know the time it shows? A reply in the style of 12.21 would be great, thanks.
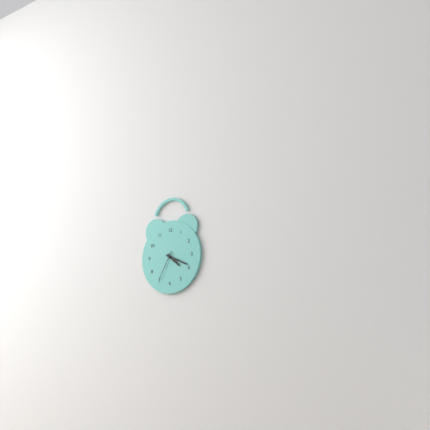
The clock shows 4.19
